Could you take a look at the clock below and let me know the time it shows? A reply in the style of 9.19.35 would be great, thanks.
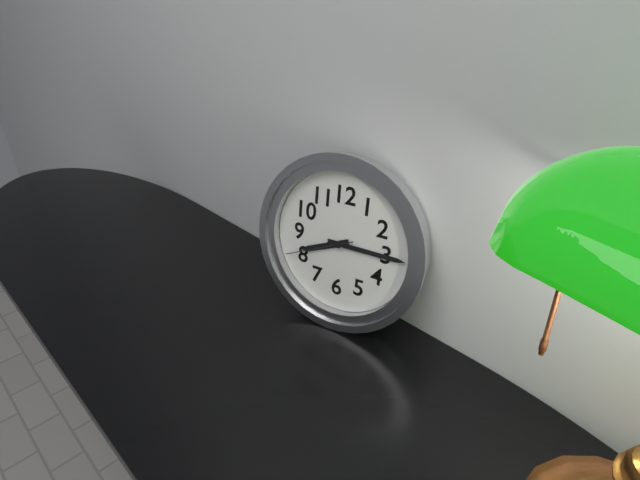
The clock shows 8.15.41
